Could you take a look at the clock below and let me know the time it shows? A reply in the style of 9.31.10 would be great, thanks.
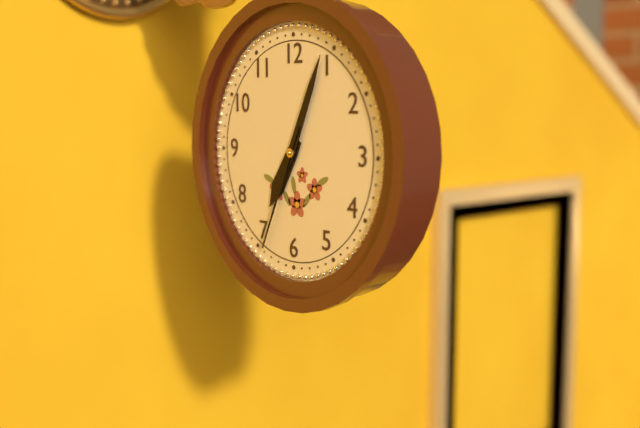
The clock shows 7.04.34
